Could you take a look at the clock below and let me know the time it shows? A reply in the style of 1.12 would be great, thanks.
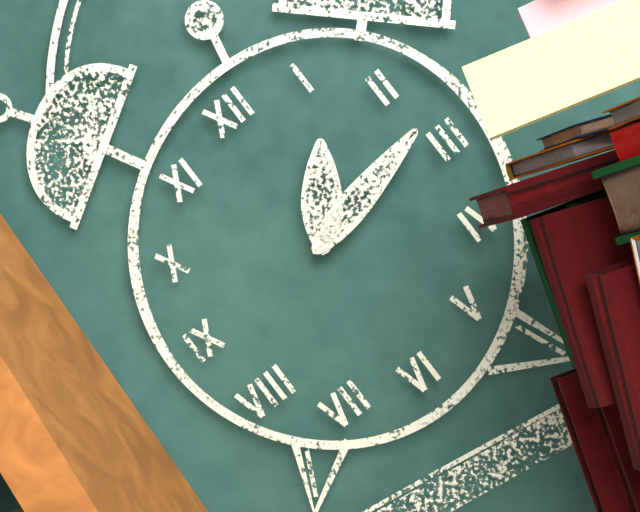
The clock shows 1.13
